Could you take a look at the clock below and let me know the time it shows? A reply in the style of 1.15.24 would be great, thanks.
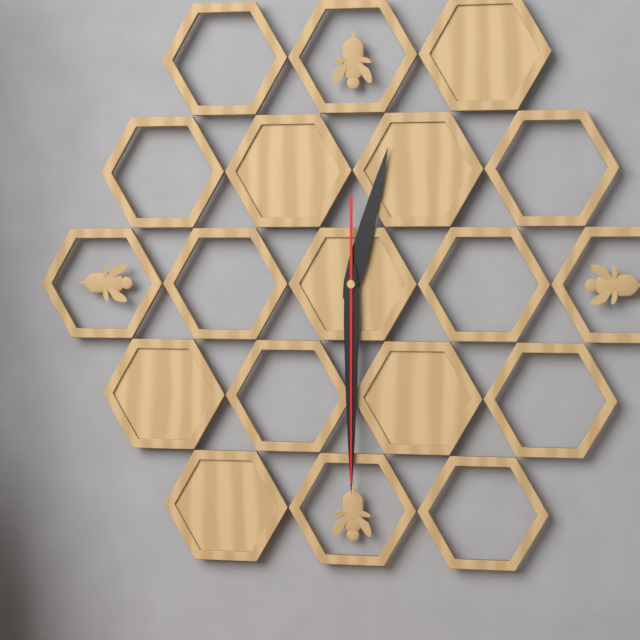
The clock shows 12.30.30
